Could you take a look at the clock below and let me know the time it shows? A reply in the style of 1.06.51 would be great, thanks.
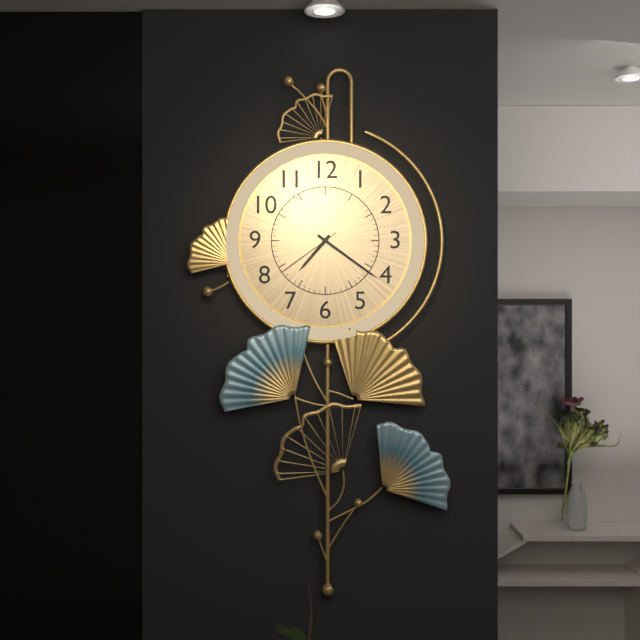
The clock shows 7.21.39
